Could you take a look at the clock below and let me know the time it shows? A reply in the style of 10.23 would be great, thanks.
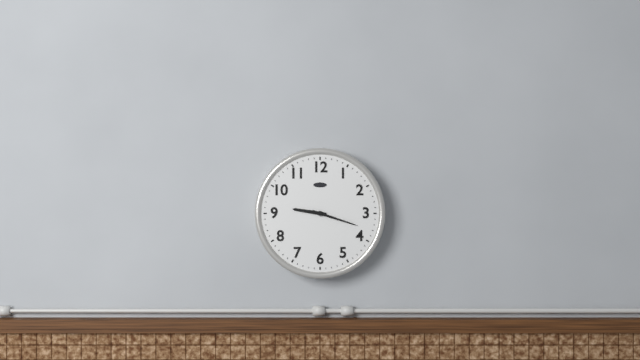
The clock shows 9.18
